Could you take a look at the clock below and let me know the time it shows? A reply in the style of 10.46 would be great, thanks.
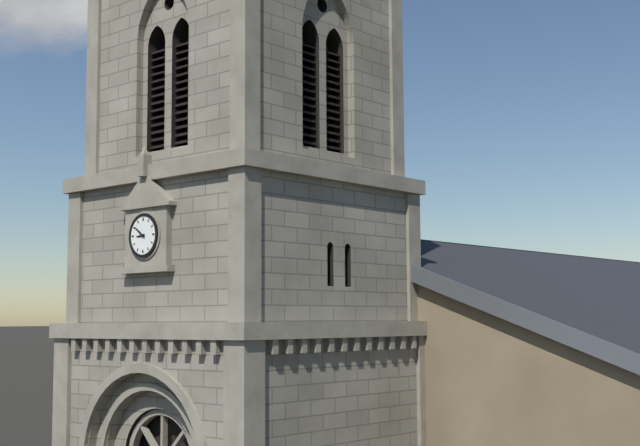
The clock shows 8.51
